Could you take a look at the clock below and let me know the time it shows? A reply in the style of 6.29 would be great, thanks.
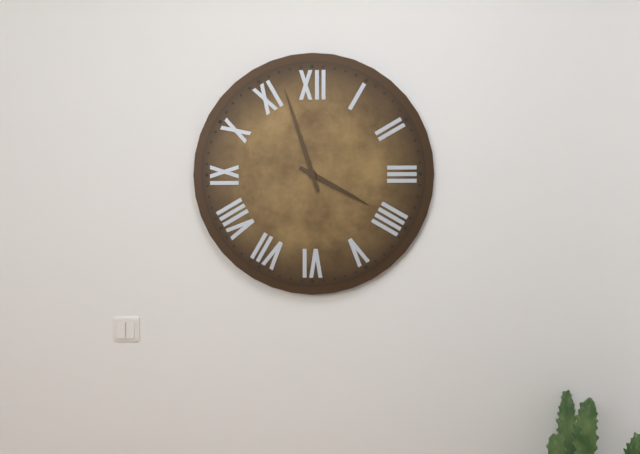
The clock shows 3.57
